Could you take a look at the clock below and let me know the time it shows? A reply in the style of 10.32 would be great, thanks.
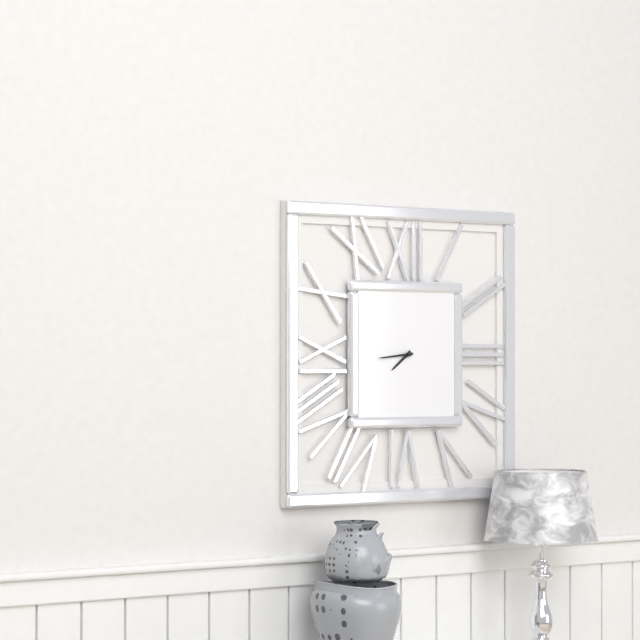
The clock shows 7.44
